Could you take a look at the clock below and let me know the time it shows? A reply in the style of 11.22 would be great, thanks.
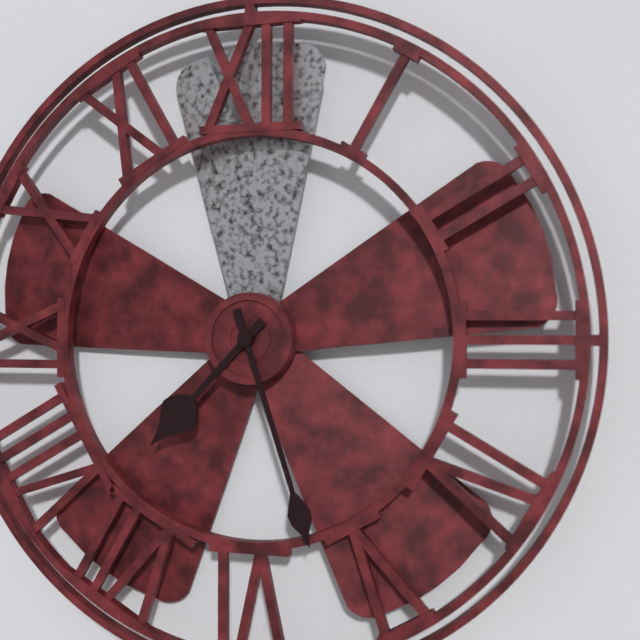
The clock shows 7.27
